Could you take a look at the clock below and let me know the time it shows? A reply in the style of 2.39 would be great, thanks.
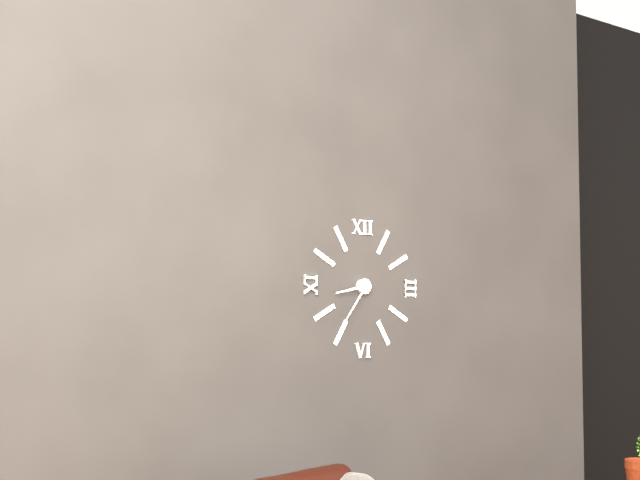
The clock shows 8.36
